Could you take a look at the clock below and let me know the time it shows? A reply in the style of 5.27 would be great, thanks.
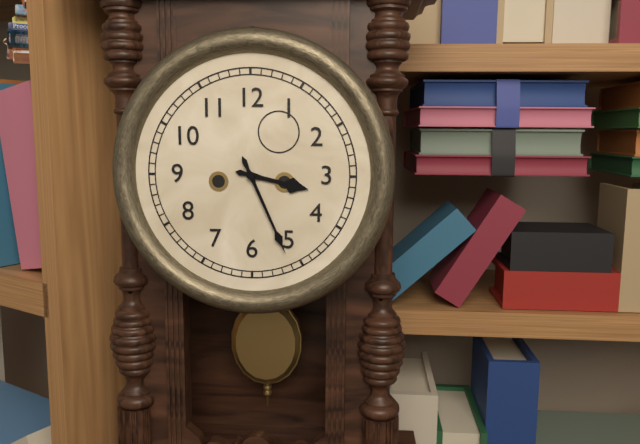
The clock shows 3.26
